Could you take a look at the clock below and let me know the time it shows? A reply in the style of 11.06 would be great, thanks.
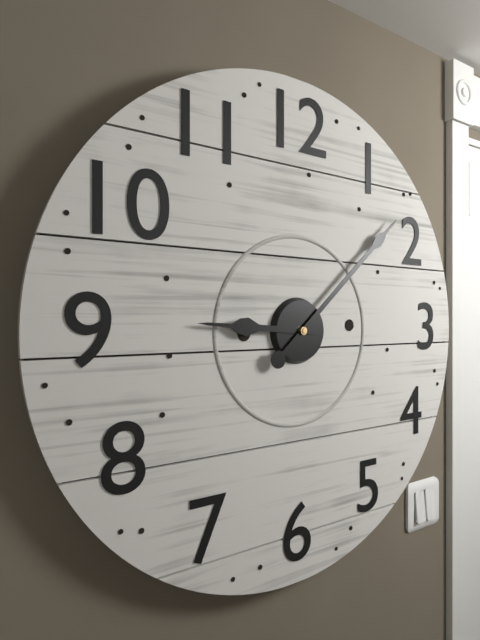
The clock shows 9.08
